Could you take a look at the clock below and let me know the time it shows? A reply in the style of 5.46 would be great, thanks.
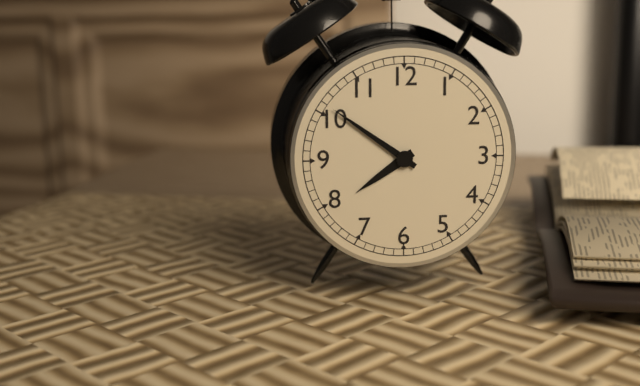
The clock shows 7.51
